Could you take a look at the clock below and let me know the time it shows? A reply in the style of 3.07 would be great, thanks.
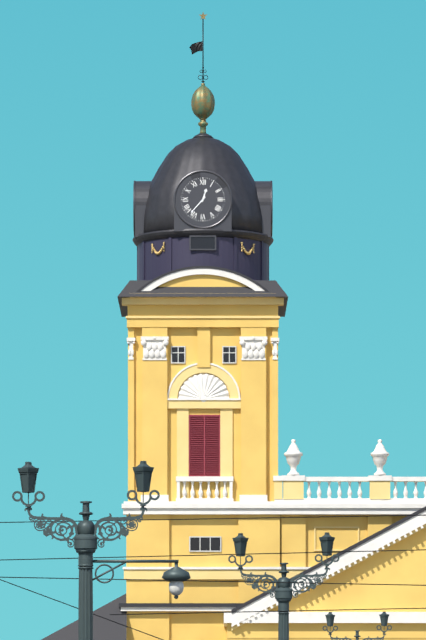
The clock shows 12.37
